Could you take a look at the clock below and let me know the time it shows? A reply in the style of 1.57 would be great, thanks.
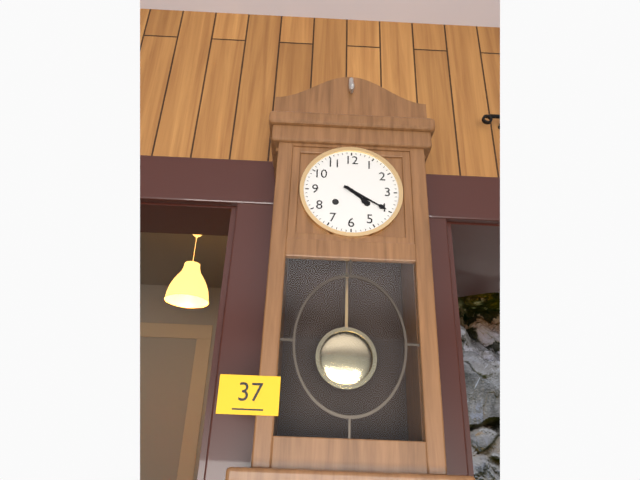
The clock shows 4.20
